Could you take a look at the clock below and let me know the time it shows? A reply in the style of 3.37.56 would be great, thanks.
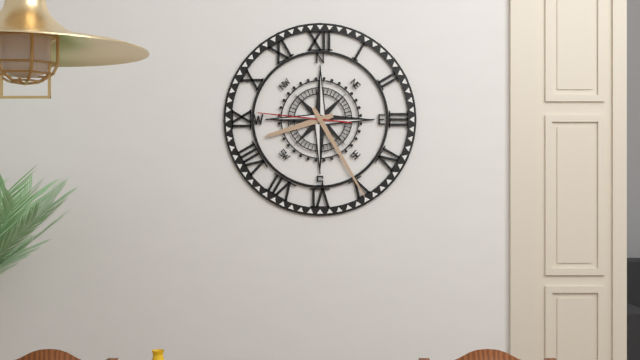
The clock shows 8.25.46
